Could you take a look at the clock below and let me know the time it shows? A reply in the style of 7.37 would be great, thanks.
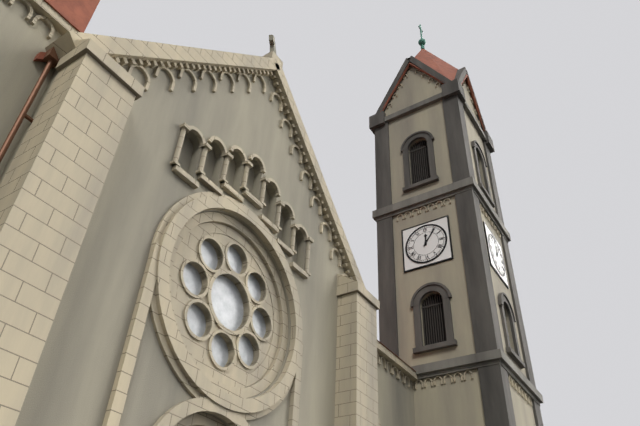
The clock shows 12.06
